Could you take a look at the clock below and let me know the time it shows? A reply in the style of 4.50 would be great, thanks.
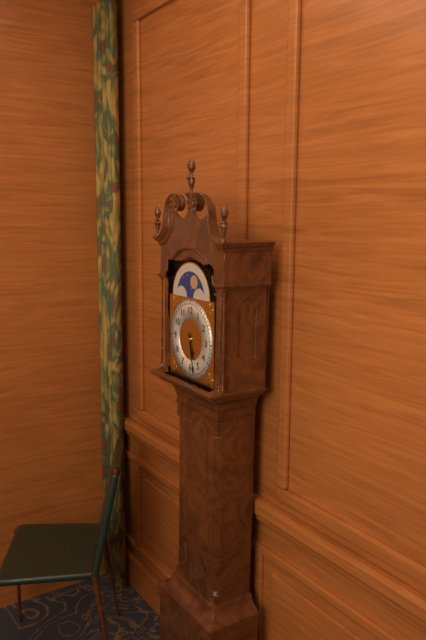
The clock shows 5.28
